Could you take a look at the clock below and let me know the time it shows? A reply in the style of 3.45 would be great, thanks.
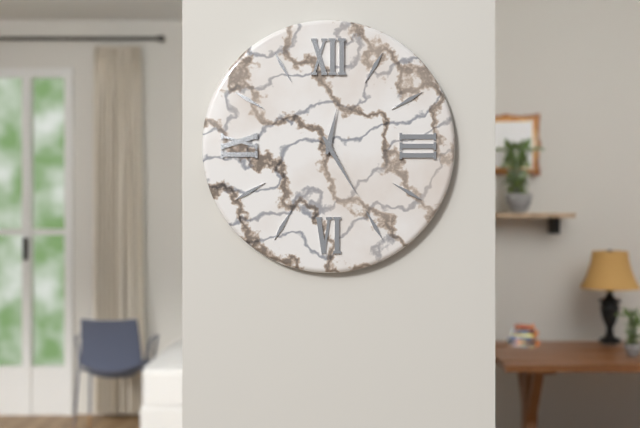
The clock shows 12.25
